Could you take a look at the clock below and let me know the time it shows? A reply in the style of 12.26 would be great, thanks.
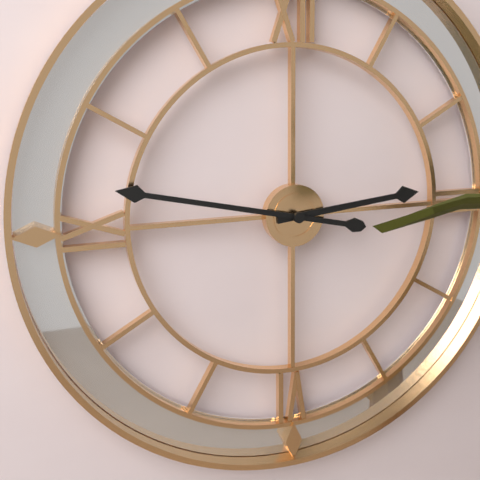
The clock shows 2.47
